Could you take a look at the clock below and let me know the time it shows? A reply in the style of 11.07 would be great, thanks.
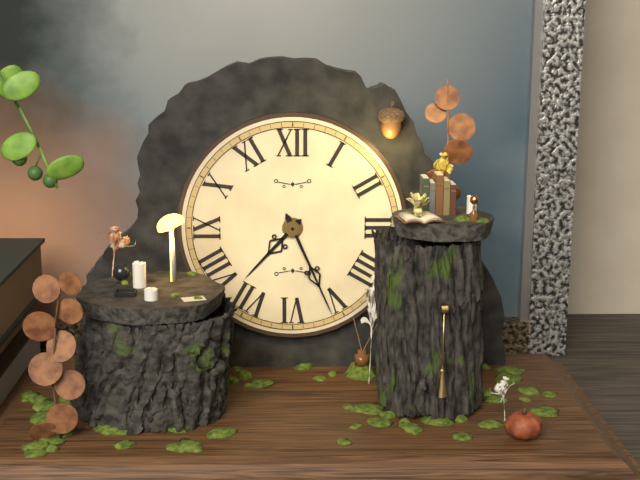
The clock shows 7.26
